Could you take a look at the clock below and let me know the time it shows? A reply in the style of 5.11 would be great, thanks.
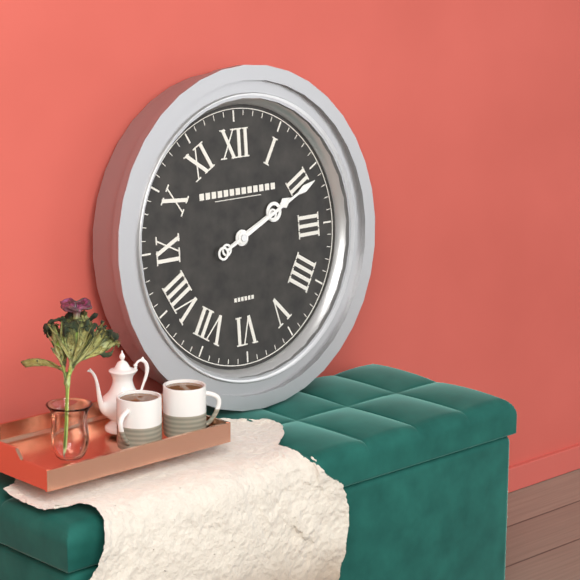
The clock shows 2.11
